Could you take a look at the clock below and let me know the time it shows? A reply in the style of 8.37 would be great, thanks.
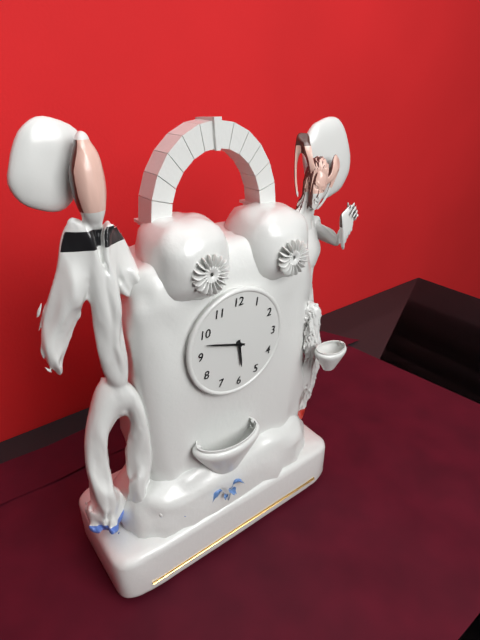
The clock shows 5.48
